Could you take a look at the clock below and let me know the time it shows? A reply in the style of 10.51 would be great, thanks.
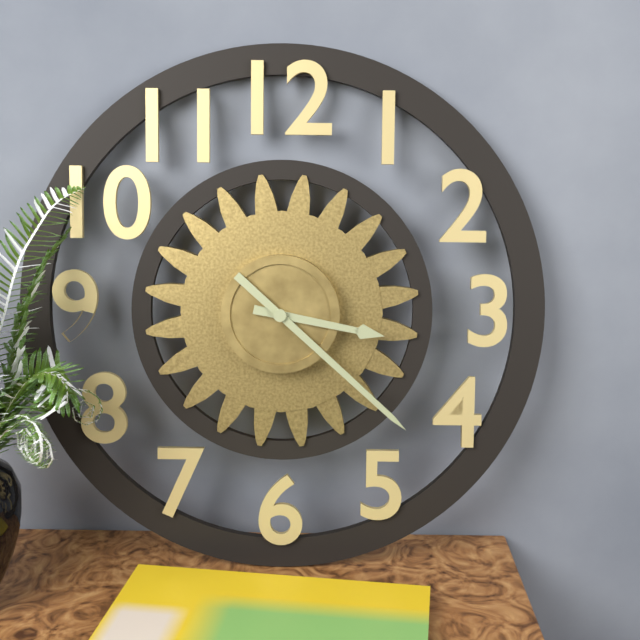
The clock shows 3.22
